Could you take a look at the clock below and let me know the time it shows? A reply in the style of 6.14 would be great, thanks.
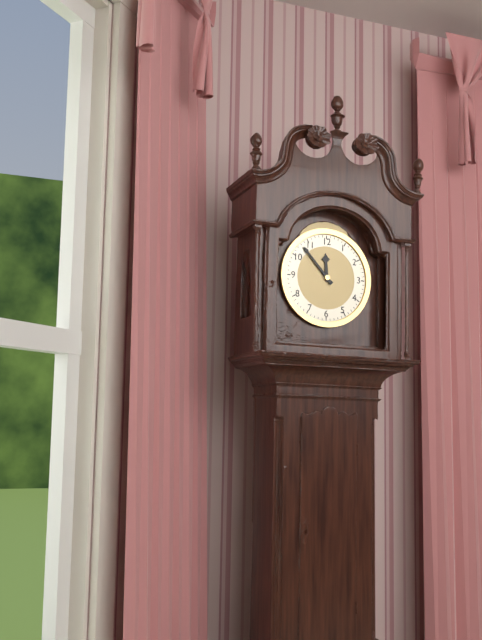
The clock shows 11.53
